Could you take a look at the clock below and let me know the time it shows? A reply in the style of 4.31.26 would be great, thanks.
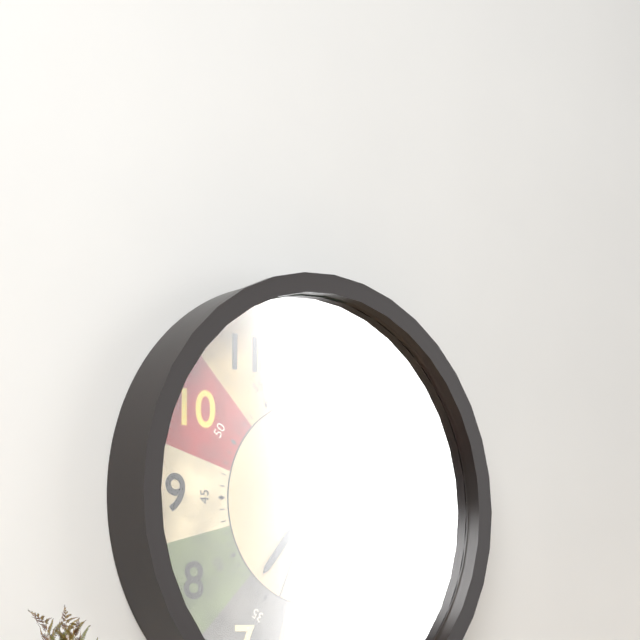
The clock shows 7.20.34
